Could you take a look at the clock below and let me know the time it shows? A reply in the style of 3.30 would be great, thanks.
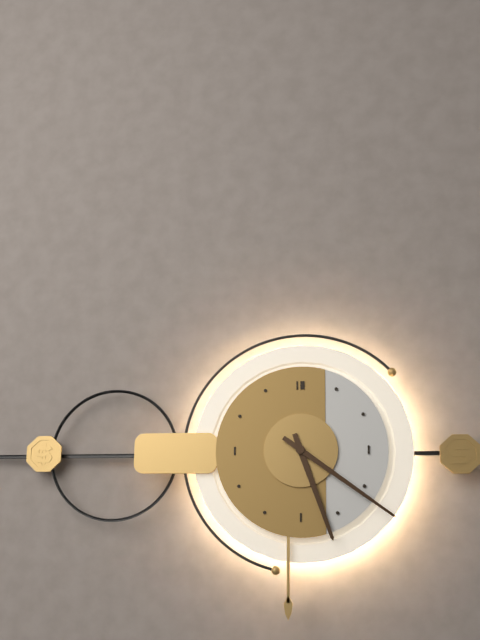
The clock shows 5.21
